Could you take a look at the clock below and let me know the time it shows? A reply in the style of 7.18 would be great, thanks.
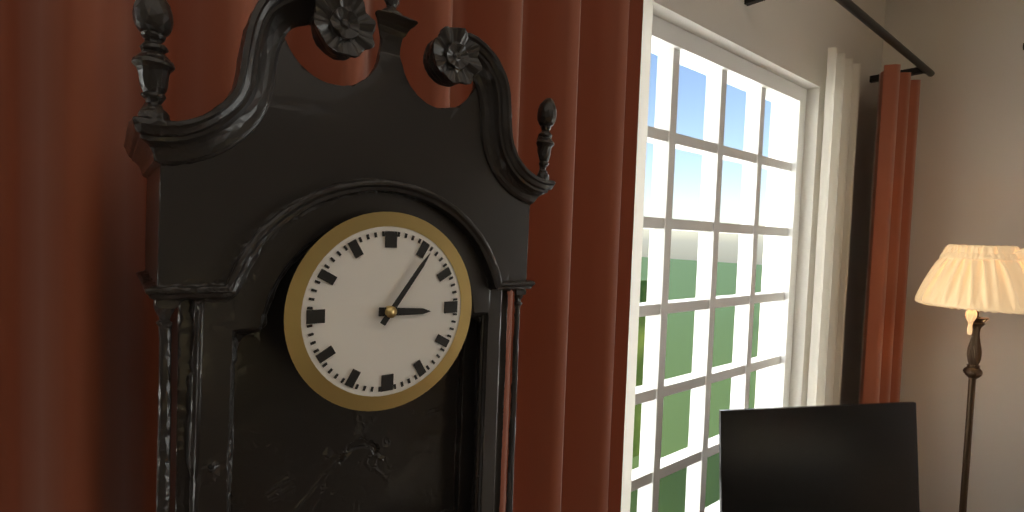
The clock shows 3.06
